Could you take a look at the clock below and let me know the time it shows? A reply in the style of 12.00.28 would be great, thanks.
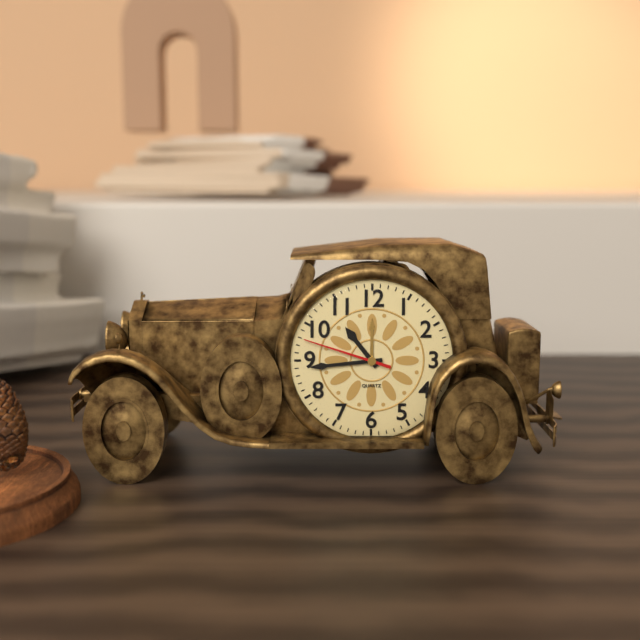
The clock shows 10.44.48
